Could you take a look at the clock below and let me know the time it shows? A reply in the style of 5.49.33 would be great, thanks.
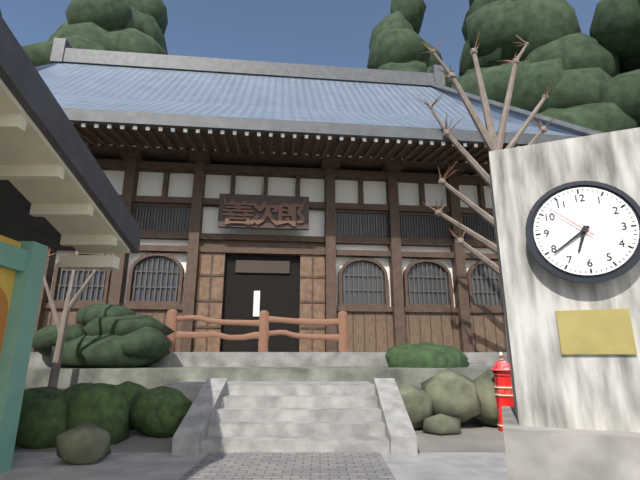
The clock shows 6.39.52
